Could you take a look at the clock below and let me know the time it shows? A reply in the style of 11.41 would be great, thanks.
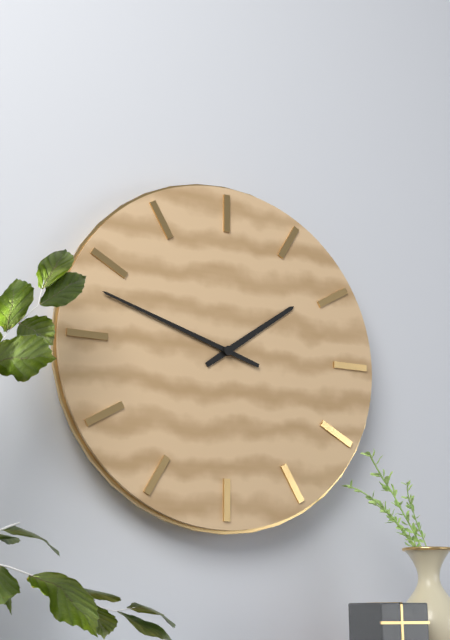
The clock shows 1.48
